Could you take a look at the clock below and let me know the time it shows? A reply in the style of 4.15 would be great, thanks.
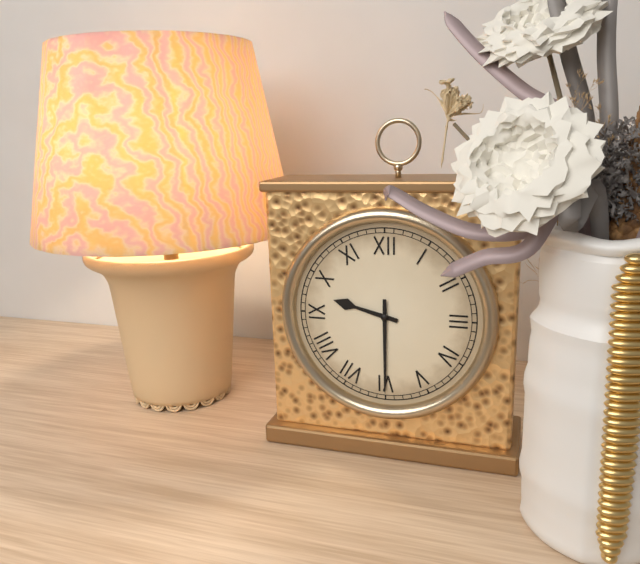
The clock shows 9.30
